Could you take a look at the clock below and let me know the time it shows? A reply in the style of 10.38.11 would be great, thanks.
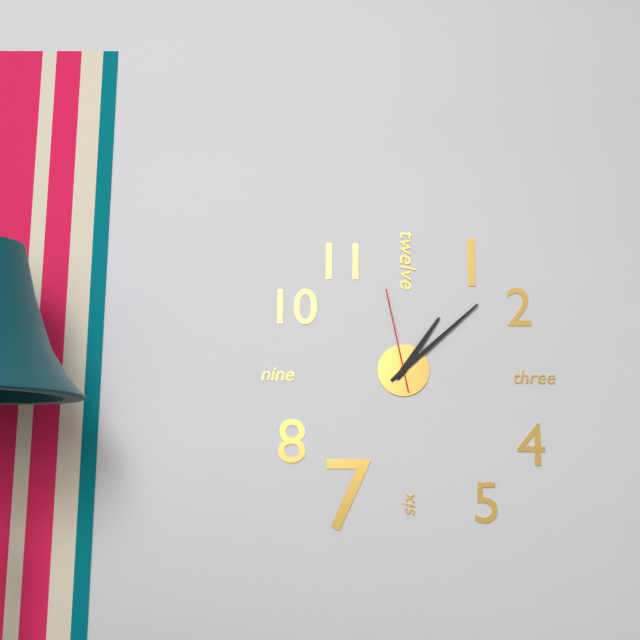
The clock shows 1.08.58
